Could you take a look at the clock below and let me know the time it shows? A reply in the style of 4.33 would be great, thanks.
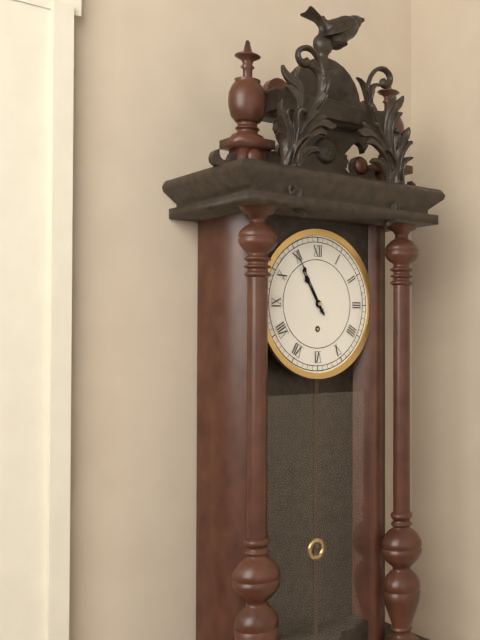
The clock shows 10.55
